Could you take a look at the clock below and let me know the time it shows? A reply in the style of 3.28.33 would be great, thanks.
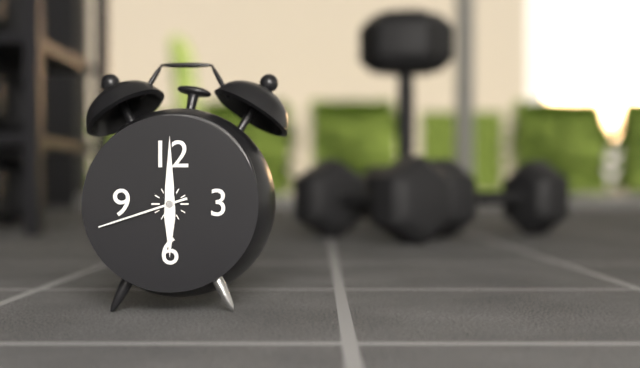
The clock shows 6.00.42
